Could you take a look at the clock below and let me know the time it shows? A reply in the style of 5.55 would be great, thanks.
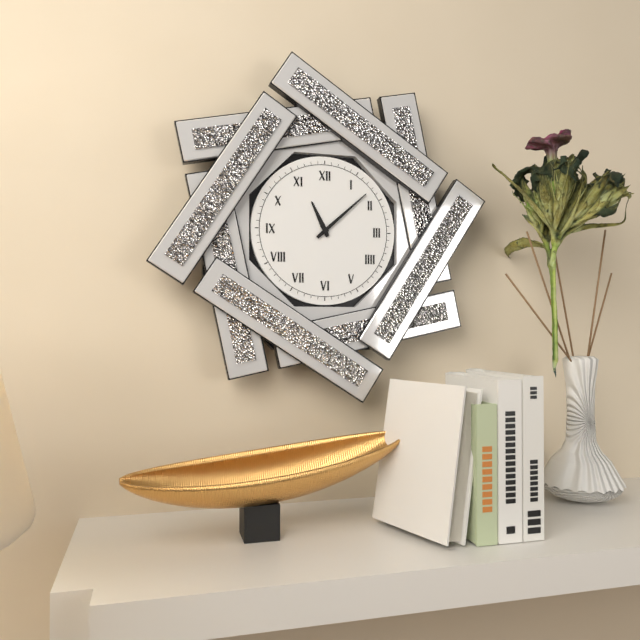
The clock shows 11.08
